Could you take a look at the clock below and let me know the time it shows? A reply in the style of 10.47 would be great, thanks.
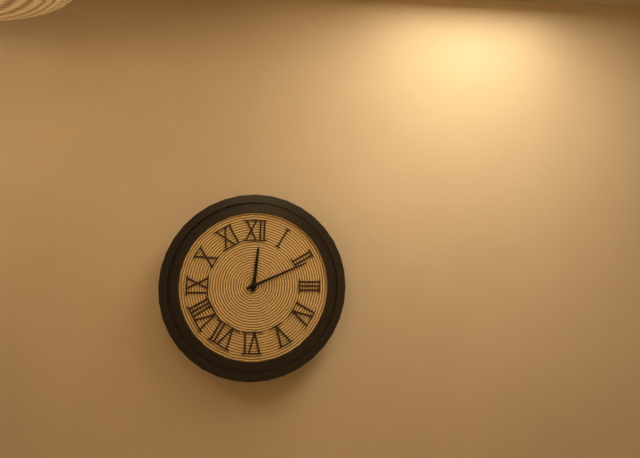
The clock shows 12.11
